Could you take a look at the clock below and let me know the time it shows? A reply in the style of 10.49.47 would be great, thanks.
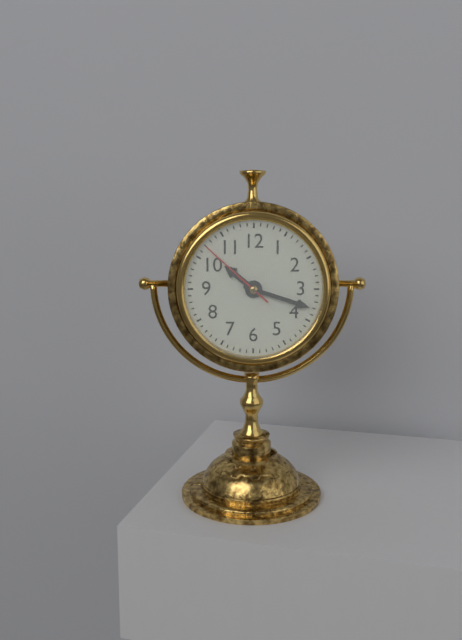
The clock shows 10.18.52
